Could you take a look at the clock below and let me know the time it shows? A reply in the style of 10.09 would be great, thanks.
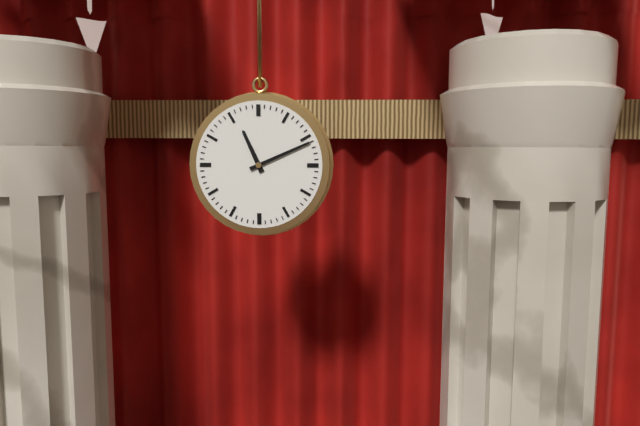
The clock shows 11.11
